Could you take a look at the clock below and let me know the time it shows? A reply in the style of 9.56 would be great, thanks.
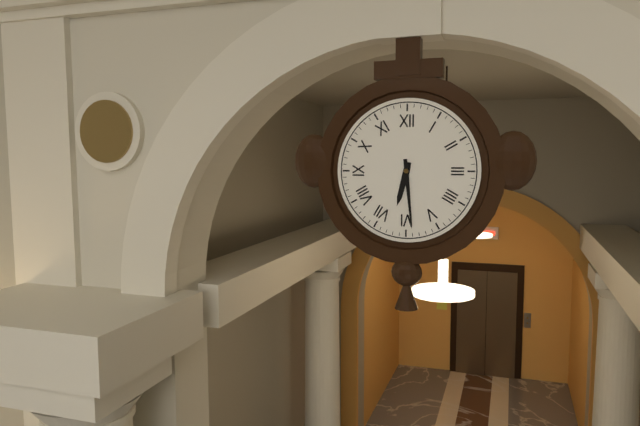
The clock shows 6.29
